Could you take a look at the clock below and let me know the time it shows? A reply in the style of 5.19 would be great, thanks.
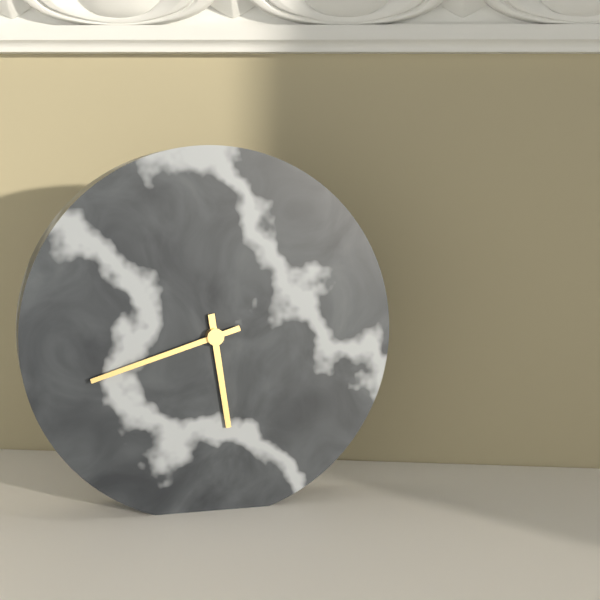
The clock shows 5.42
